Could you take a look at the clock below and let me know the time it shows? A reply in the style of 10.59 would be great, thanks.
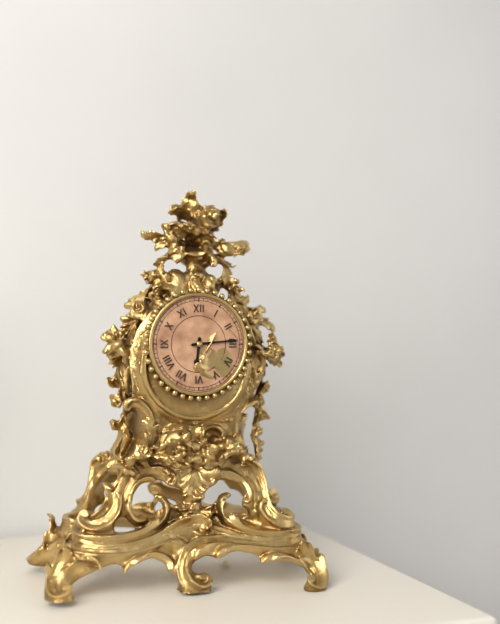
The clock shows 6.14
